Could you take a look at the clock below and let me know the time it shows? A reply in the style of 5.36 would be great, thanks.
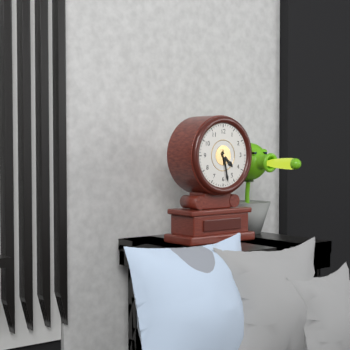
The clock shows 4.28
